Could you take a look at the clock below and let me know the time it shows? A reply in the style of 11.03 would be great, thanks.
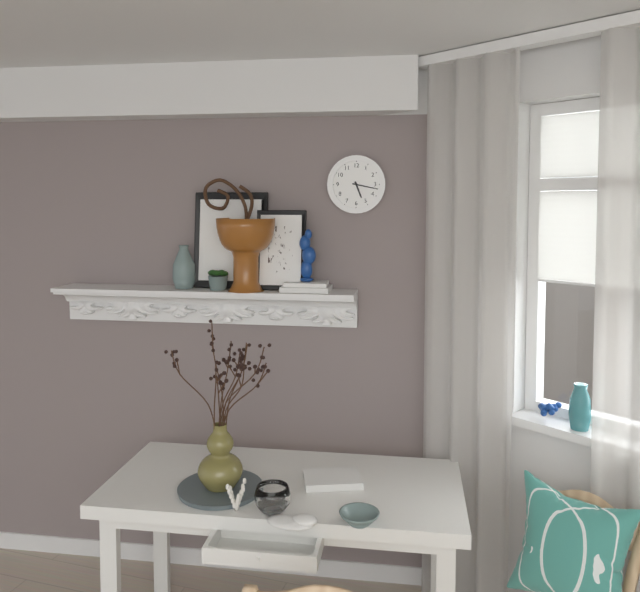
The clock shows 5.17
